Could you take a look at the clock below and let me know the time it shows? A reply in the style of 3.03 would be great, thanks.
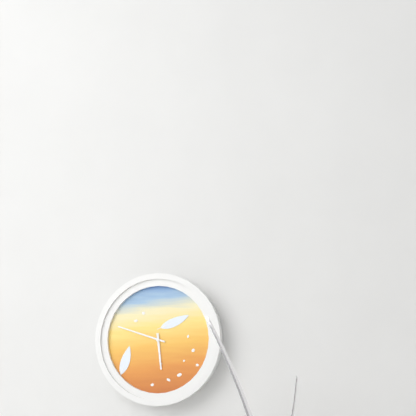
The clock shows 5.48
